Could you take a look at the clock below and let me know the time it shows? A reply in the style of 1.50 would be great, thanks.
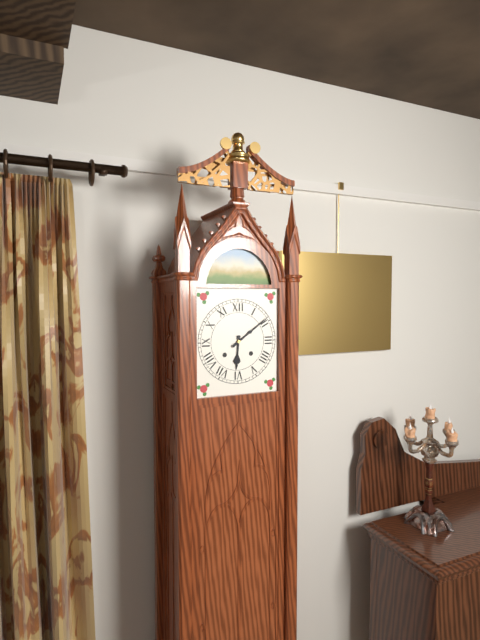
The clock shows 6.09
